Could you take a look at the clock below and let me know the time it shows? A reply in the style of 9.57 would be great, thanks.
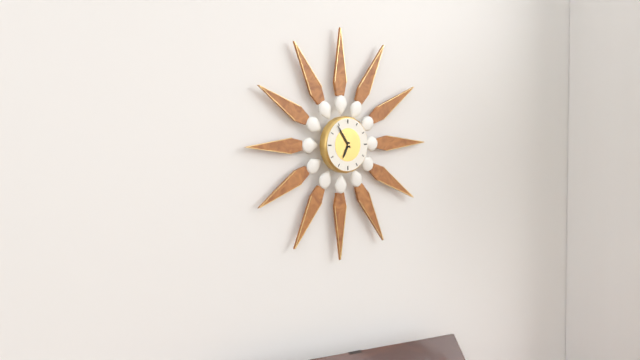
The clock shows 6.54
